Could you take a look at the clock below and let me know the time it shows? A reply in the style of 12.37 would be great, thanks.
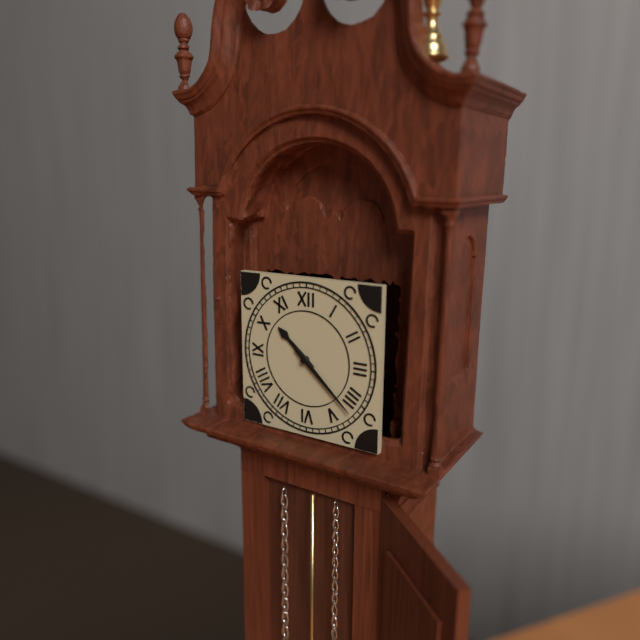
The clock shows 10.22
